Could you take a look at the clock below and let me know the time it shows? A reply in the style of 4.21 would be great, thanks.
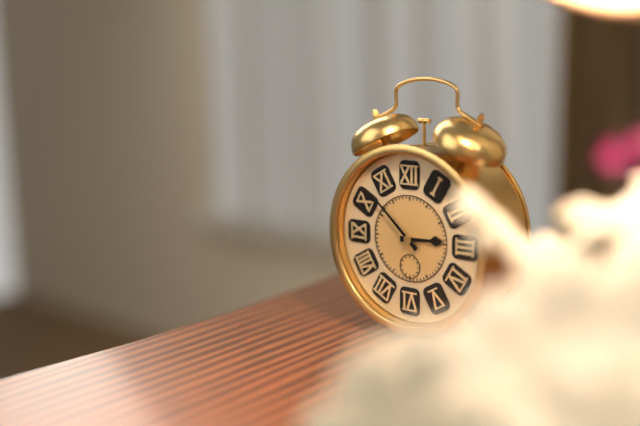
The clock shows 2.52
